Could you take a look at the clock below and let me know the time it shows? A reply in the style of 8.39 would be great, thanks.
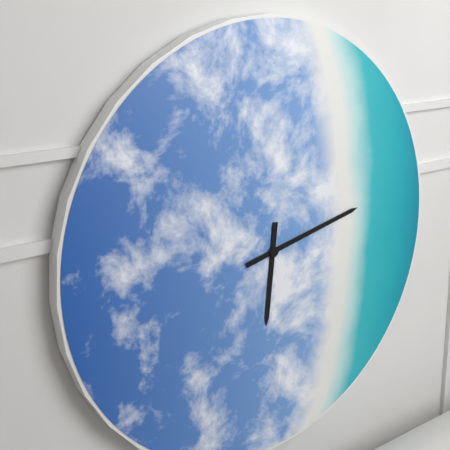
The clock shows 6.13
